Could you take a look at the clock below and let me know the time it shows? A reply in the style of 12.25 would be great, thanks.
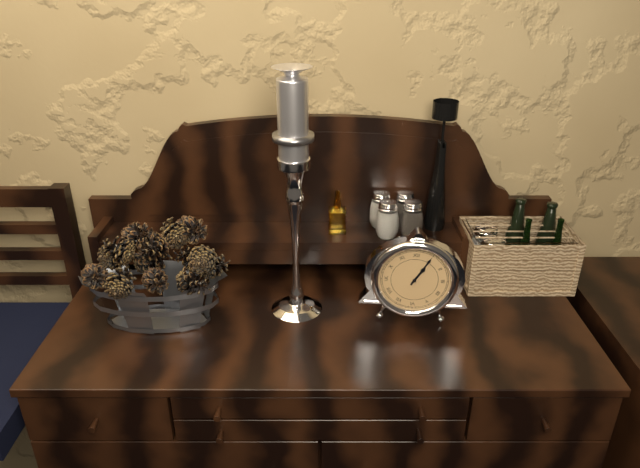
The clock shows 1.05
